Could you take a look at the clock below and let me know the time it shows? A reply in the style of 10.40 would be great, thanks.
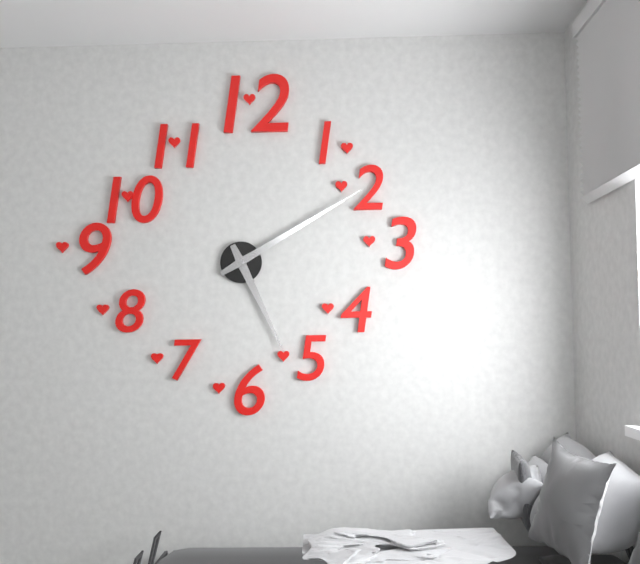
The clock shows 5.10
